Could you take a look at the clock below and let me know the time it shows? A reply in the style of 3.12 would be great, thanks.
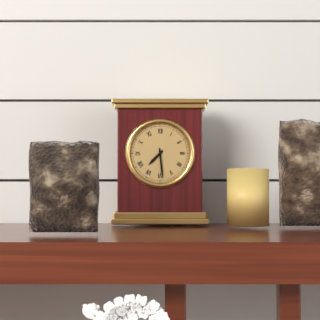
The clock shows 7.29
